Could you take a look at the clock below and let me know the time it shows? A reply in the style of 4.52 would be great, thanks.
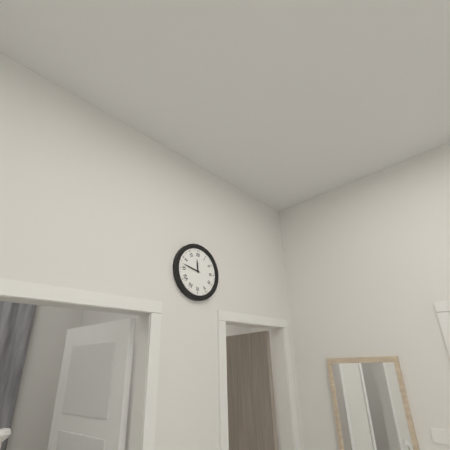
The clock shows 11.47
